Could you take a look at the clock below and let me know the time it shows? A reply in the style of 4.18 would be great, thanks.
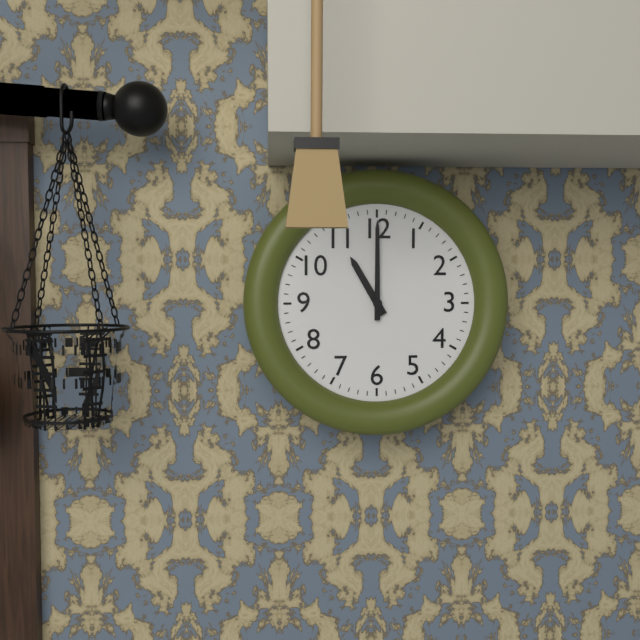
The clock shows 11.00
